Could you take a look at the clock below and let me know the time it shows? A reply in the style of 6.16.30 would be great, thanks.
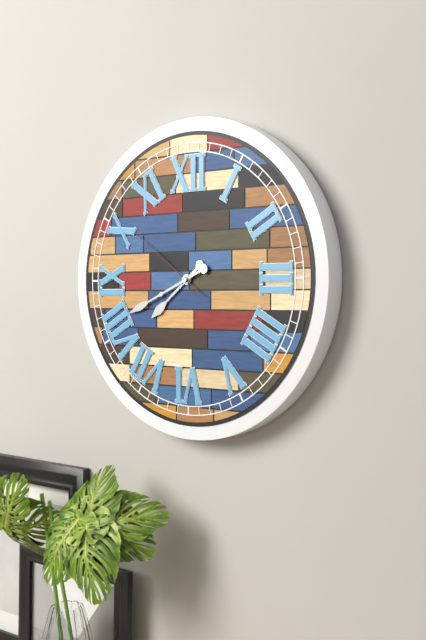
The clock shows 7.41.51
